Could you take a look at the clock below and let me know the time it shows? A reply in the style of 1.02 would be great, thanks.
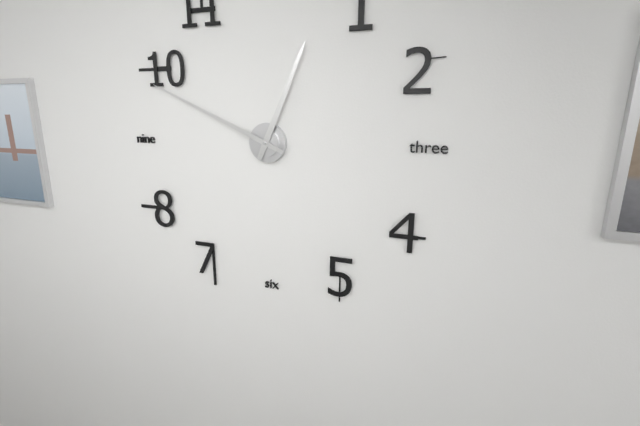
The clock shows 12.49
